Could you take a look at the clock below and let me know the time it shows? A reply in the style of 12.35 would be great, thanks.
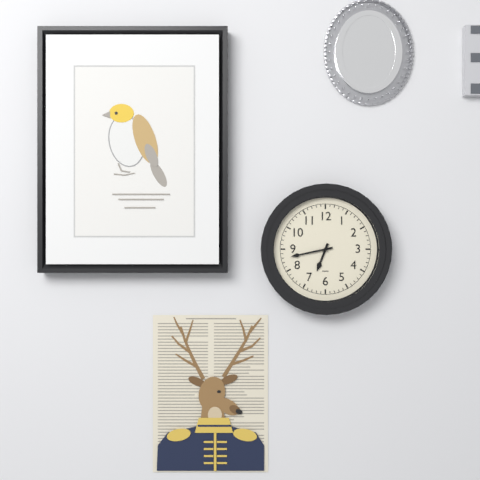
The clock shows 6.43
